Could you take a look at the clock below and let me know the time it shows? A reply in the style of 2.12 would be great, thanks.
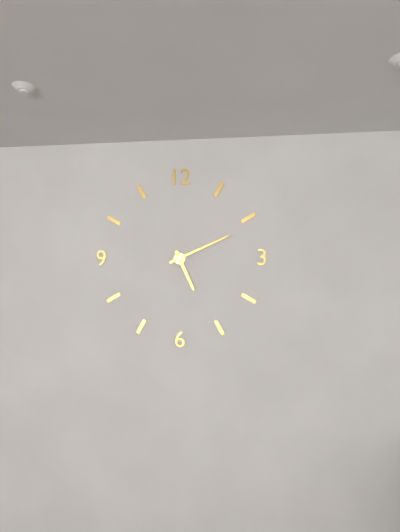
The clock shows 5.11
